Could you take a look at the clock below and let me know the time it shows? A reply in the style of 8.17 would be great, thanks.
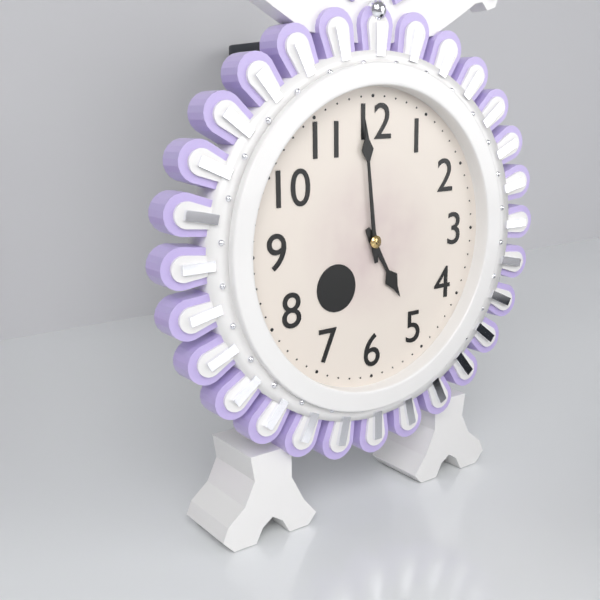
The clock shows 4.59
